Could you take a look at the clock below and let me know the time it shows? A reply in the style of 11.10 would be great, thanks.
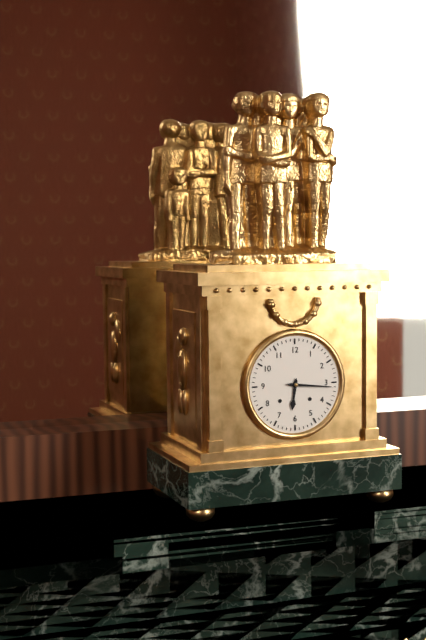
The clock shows 6.16
